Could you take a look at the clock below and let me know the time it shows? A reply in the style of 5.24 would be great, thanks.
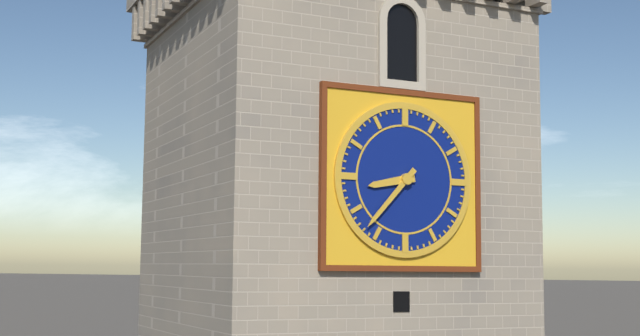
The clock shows 8.37
